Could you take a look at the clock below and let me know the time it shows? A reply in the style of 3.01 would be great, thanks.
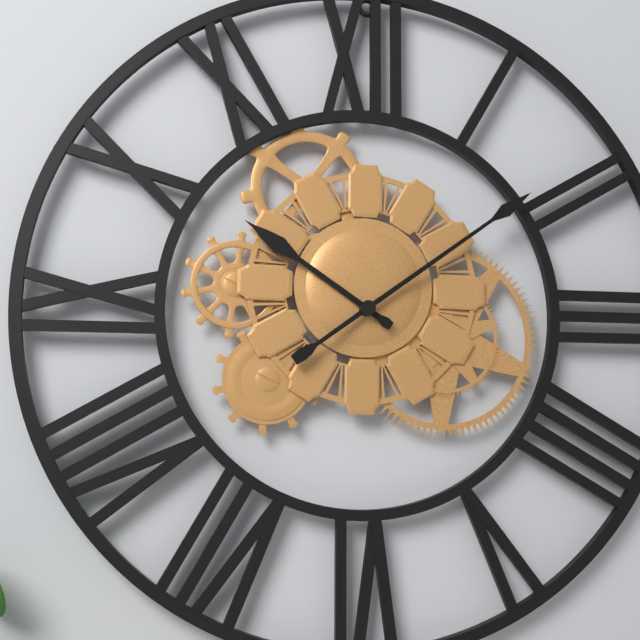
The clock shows 10.09
